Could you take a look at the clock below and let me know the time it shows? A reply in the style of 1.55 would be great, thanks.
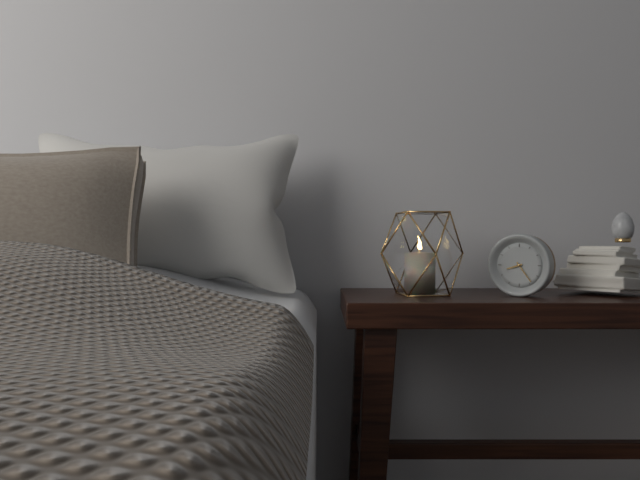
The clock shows 8.24
